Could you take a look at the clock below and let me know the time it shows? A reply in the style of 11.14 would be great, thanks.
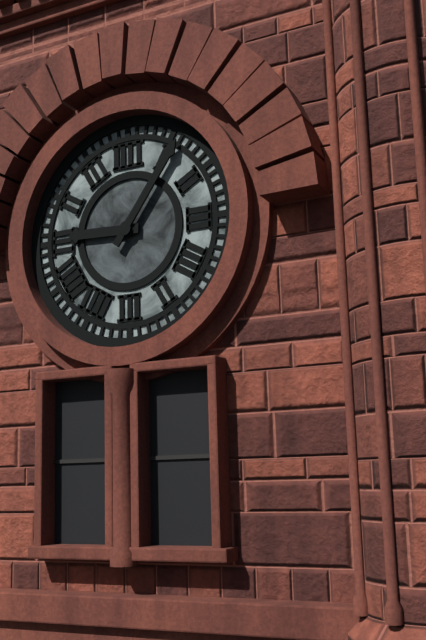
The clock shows 9.06
